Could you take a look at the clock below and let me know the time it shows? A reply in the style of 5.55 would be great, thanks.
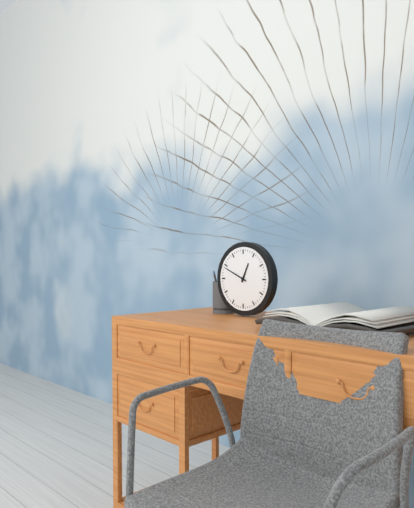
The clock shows 12.49
